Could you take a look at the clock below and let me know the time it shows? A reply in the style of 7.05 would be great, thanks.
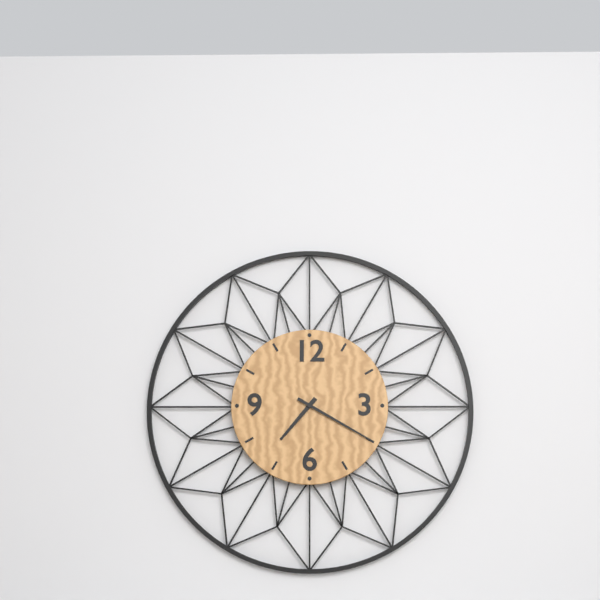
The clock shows 7.20
